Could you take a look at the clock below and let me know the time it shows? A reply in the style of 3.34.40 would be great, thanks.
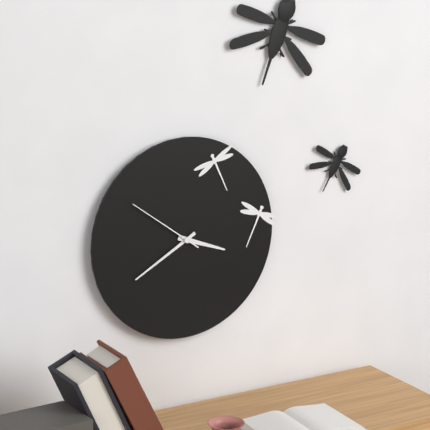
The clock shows 3.40.51
